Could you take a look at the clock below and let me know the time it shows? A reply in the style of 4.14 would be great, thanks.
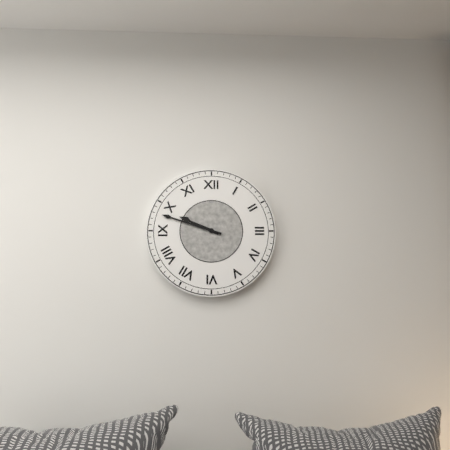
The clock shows 9.48
